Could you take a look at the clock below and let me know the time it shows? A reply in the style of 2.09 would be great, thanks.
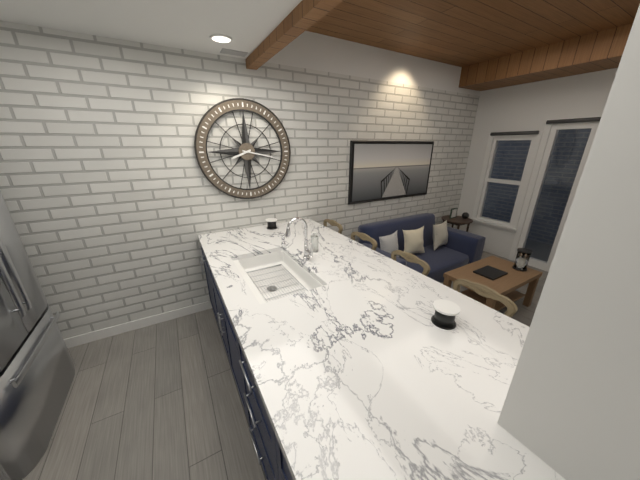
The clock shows 8.17
